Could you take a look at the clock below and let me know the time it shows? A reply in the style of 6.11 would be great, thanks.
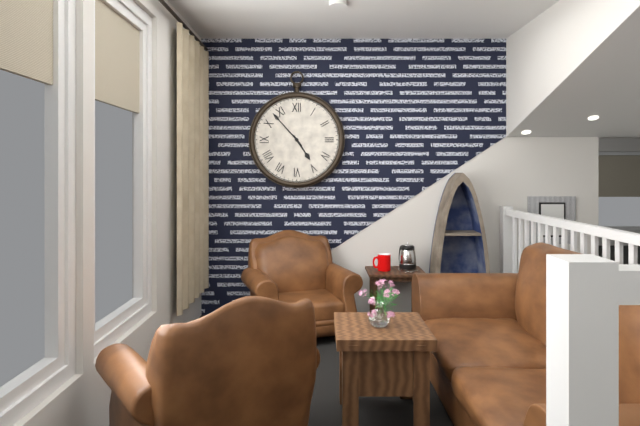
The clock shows 4.53
